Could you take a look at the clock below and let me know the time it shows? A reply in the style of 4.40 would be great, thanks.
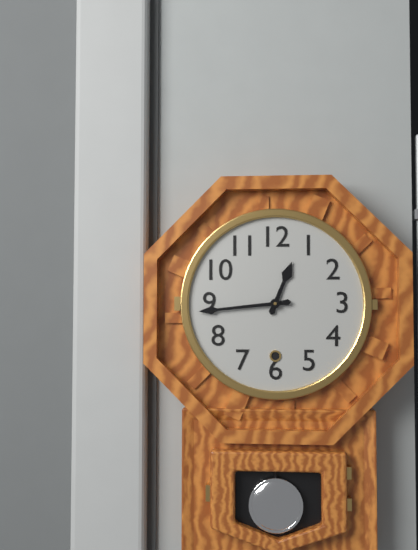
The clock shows 12.44
